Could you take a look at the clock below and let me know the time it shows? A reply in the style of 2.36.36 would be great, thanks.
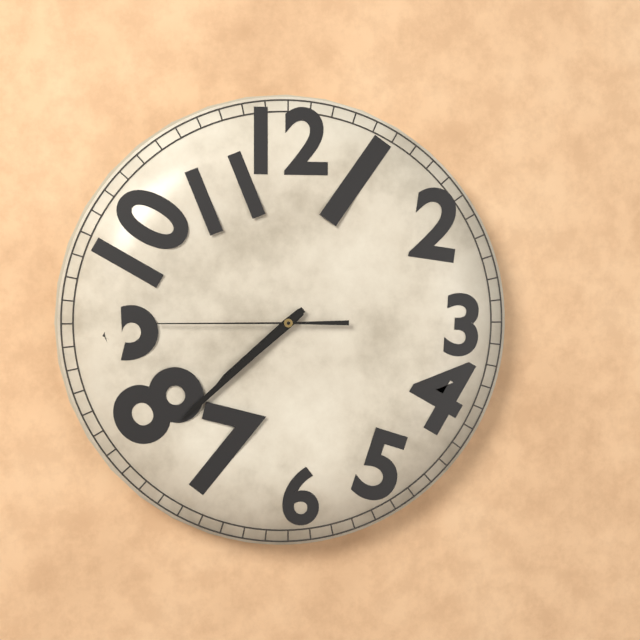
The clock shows 7.38.45
